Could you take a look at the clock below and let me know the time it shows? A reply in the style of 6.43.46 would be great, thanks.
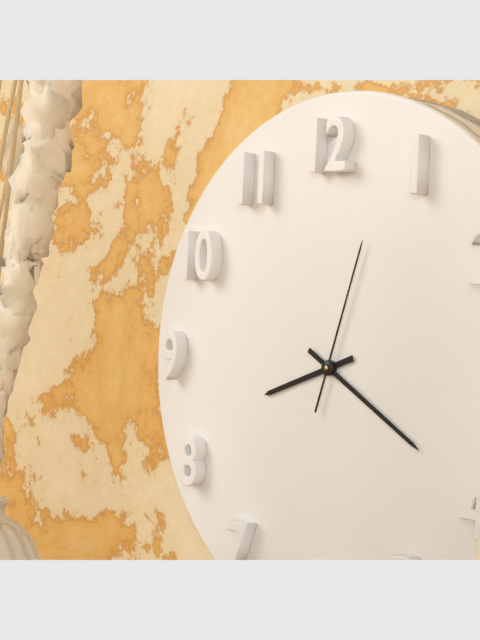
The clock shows 8.20.03
